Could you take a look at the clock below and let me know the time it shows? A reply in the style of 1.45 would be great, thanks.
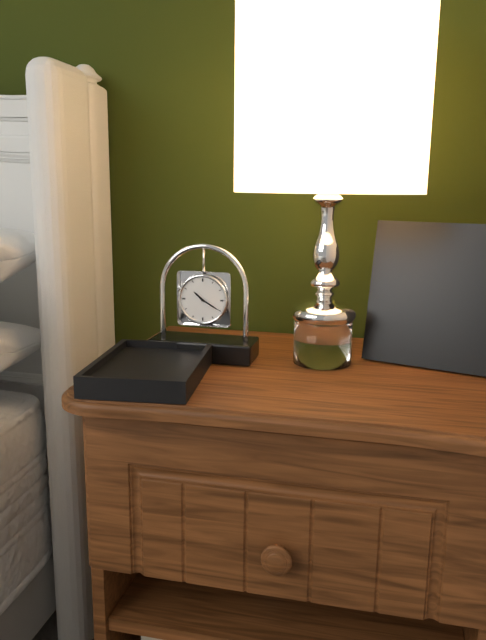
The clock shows 10.20
